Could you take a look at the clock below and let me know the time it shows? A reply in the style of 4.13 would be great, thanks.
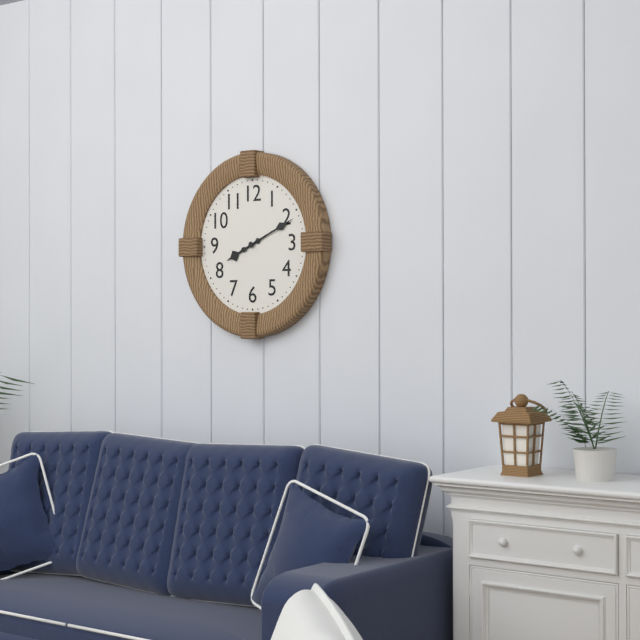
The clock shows 8.11
